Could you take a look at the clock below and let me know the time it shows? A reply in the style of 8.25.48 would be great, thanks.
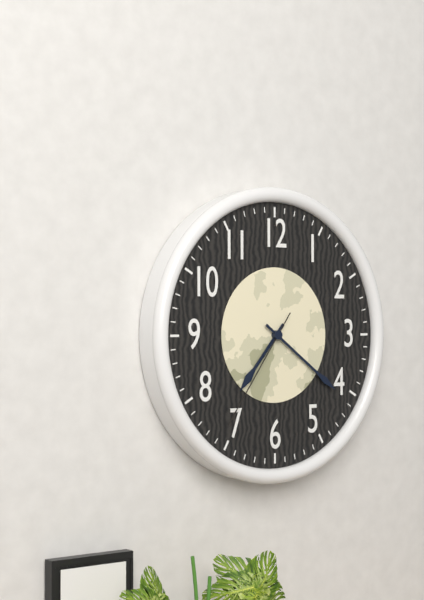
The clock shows 7.21.36
